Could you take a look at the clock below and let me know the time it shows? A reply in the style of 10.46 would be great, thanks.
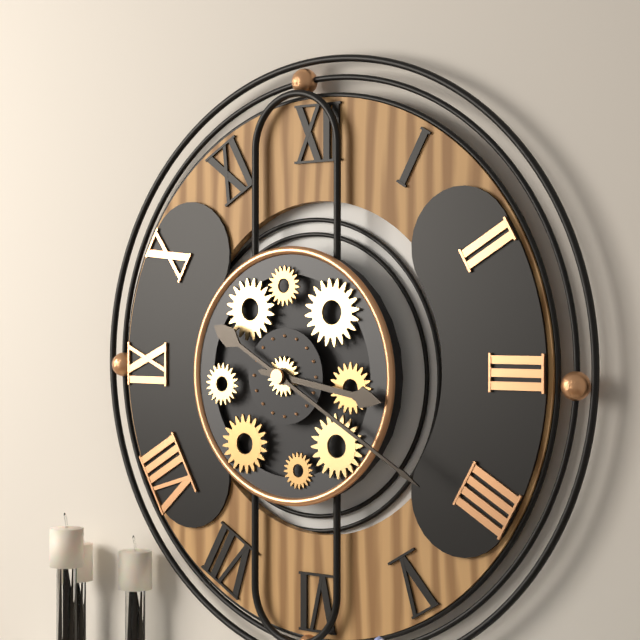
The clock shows 3.20
